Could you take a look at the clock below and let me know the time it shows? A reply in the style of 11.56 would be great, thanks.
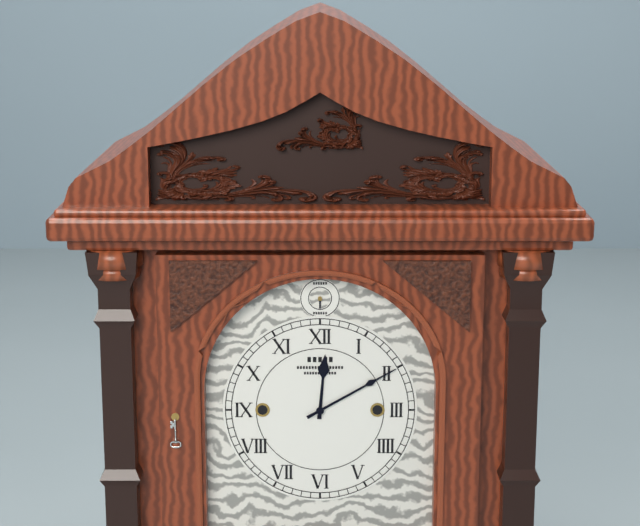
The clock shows 12.10
